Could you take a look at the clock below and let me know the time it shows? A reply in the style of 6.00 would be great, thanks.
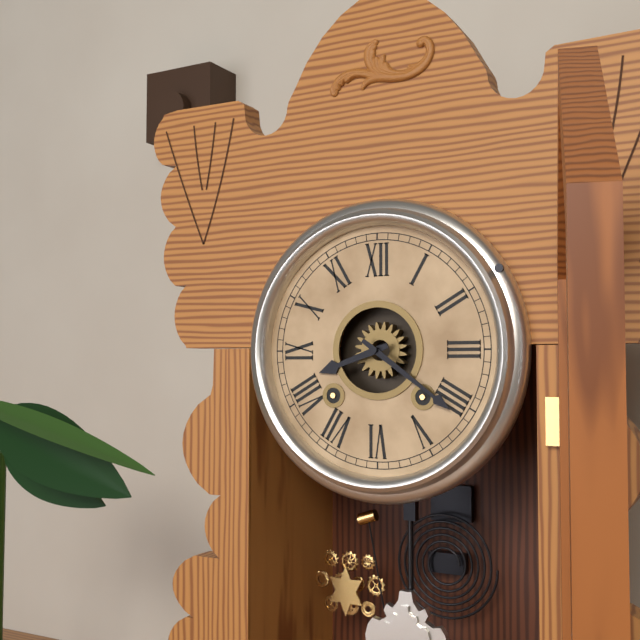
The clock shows 8.21
